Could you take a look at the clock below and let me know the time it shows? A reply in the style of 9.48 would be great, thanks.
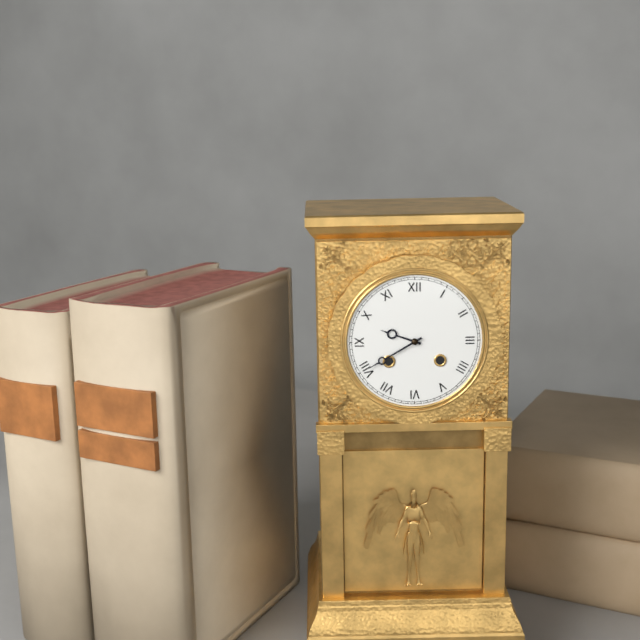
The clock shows 9.40
